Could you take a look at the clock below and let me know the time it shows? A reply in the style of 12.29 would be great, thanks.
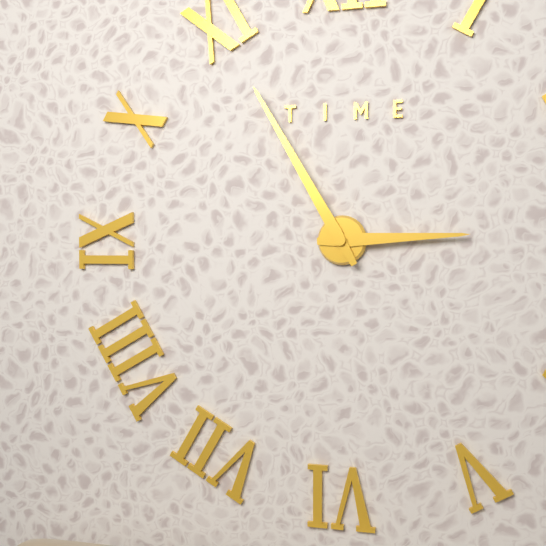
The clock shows 2.55
